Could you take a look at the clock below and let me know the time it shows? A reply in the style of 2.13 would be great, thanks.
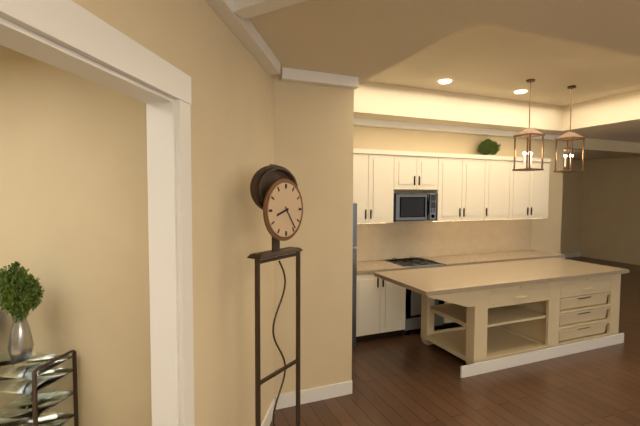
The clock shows 8.24
